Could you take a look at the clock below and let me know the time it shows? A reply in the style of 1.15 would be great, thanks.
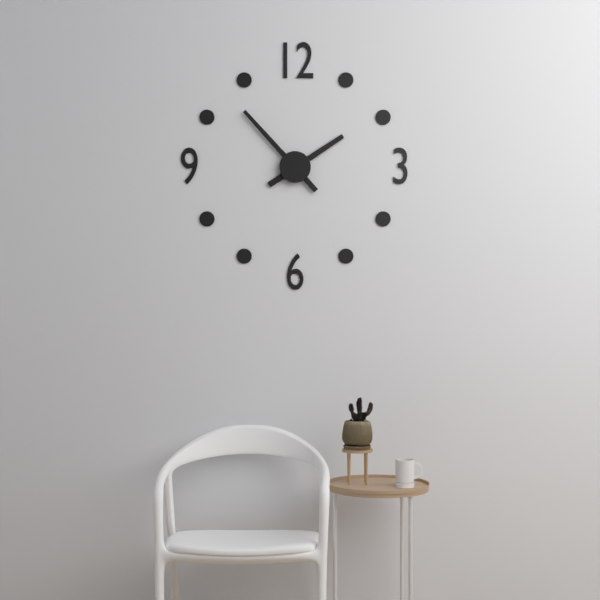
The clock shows 1.53
